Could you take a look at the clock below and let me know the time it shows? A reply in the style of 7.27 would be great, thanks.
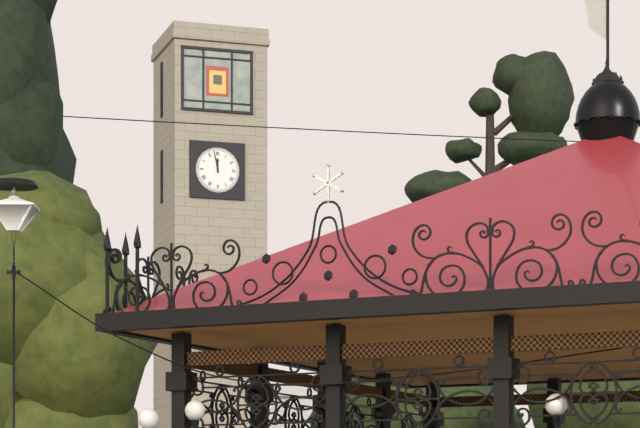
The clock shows 11.58
